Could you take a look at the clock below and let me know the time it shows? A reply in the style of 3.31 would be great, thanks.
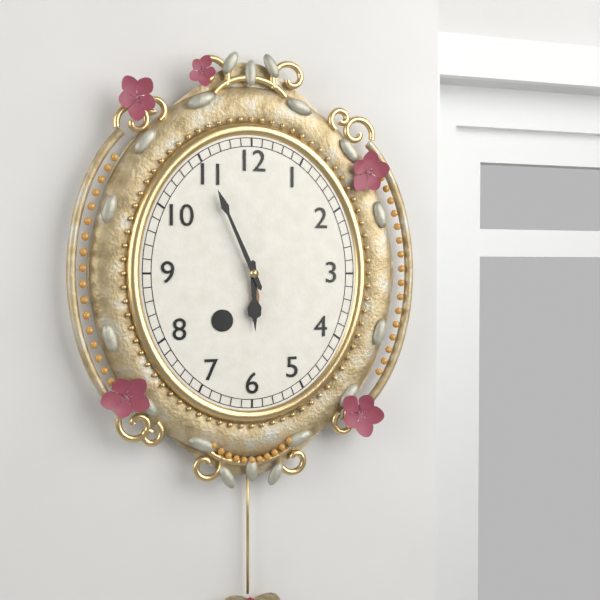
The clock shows 5.56
